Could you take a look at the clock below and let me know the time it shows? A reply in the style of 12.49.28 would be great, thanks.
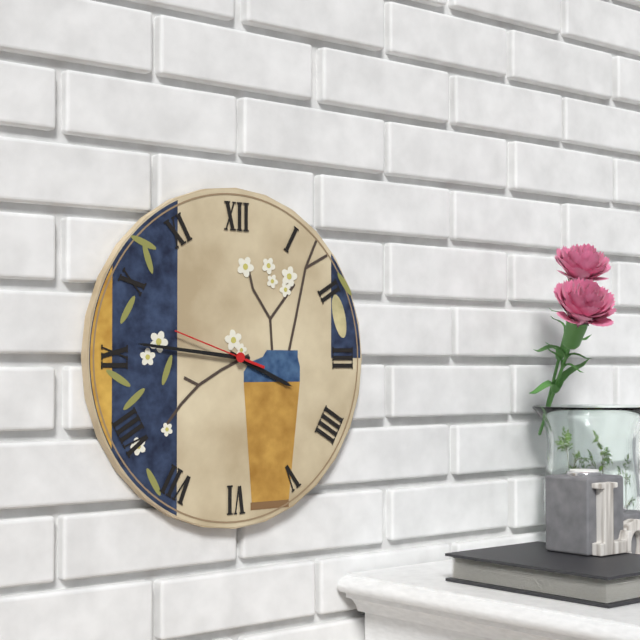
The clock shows 3.46.48
